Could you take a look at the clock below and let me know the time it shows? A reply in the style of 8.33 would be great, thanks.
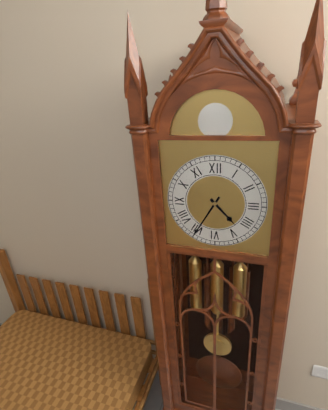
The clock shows 4.35
